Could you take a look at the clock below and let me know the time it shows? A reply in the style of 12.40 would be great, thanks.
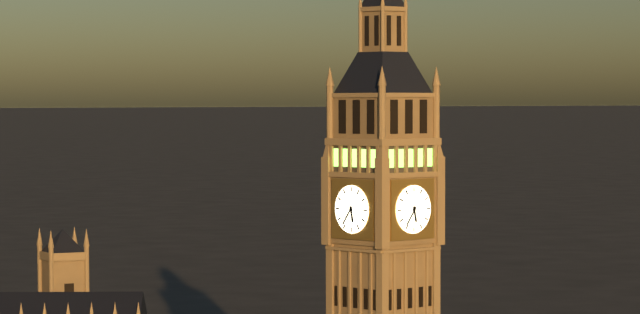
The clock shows 5.36
